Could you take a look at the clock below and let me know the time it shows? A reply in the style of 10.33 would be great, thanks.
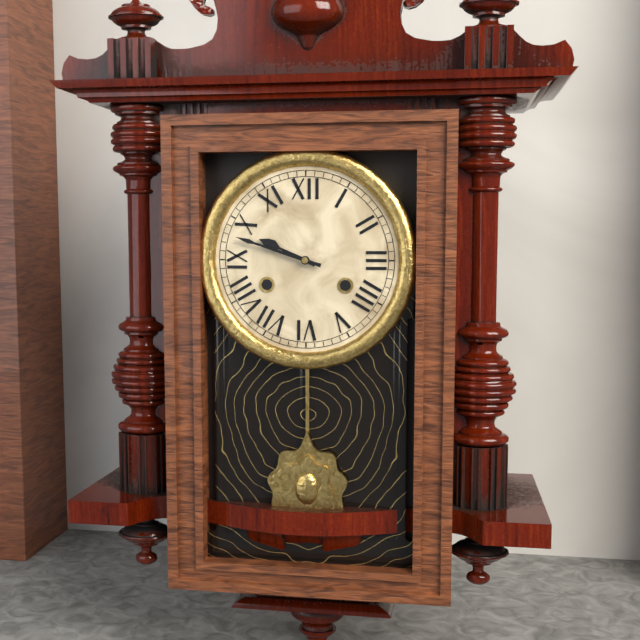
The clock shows 9.48
